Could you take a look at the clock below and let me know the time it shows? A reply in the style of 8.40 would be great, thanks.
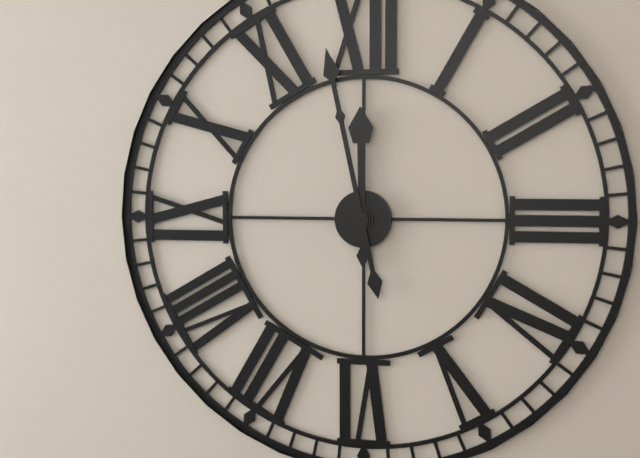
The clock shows 11.58
